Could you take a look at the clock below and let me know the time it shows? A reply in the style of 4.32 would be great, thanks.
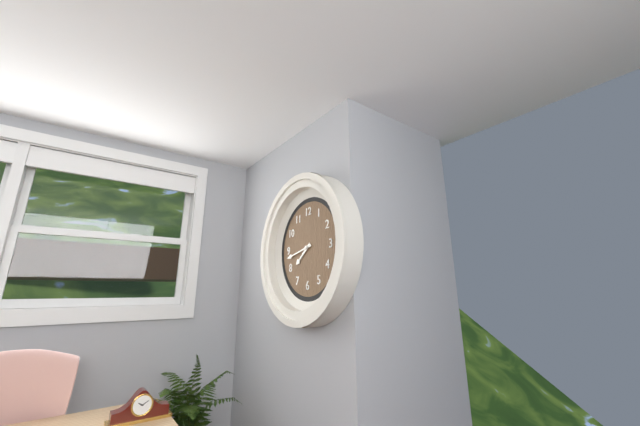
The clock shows 7.43
